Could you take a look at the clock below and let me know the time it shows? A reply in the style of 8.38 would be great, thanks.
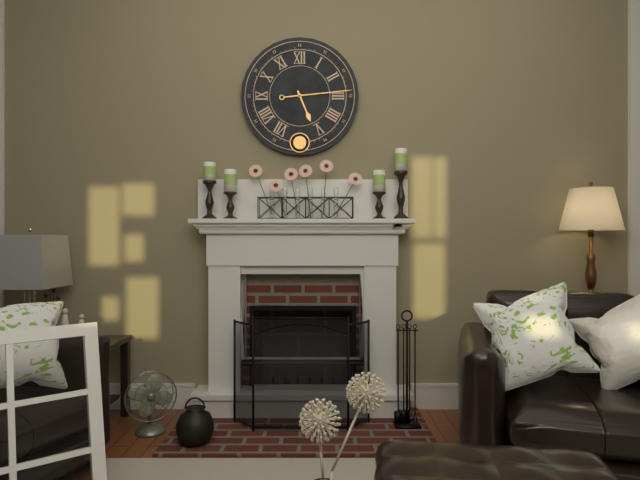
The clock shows 5.14
